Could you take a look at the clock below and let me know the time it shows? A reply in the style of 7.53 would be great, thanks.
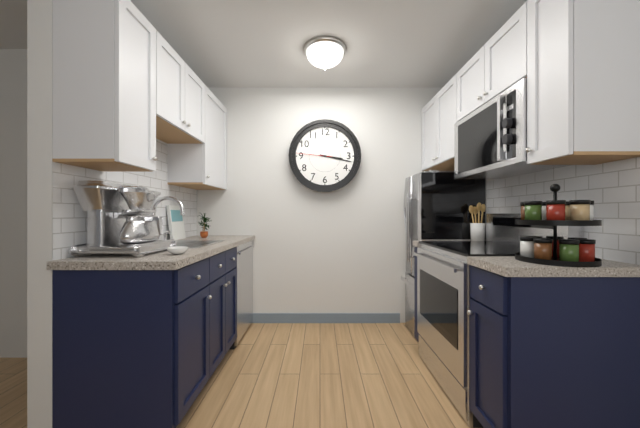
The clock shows 3.17
